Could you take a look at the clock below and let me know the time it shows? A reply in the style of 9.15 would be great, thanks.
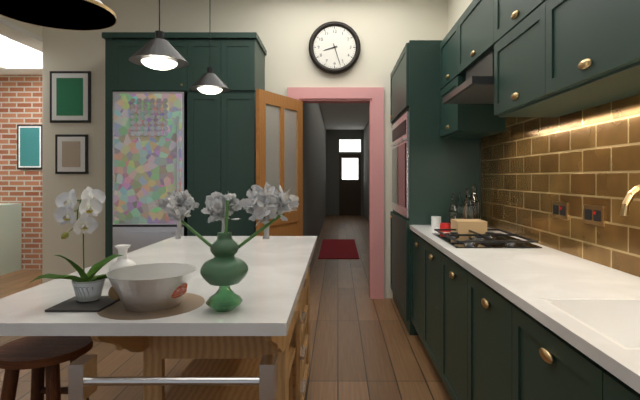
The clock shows 8.27
